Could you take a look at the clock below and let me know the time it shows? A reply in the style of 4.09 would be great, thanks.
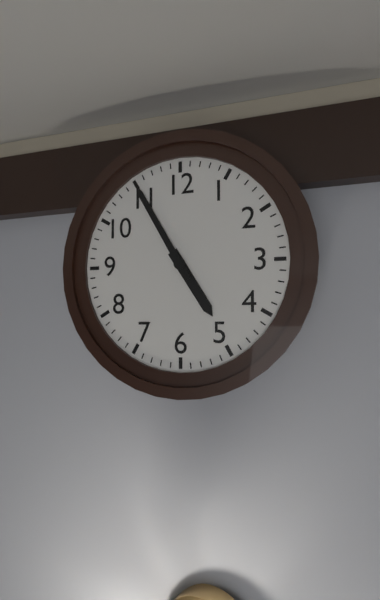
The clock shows 4.55
